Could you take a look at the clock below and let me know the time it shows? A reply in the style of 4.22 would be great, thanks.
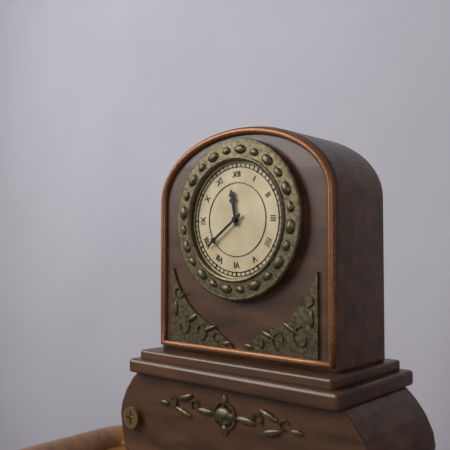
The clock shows 11.39
